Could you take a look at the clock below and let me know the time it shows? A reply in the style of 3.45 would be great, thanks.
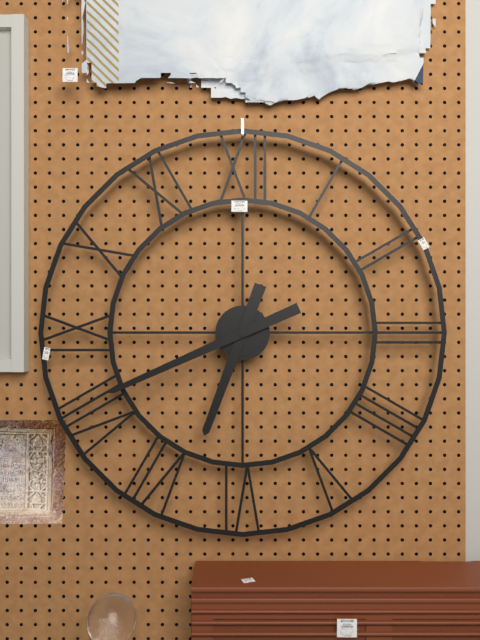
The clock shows 6.41
